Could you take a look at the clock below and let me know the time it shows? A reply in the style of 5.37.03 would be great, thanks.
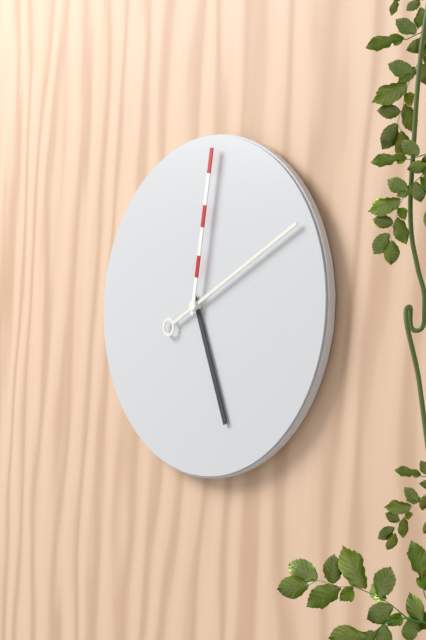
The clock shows 5.10.01
